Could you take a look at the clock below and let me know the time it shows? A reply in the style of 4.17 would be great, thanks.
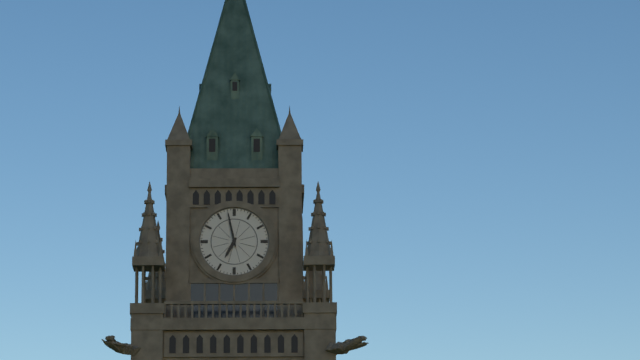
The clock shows 6.58
